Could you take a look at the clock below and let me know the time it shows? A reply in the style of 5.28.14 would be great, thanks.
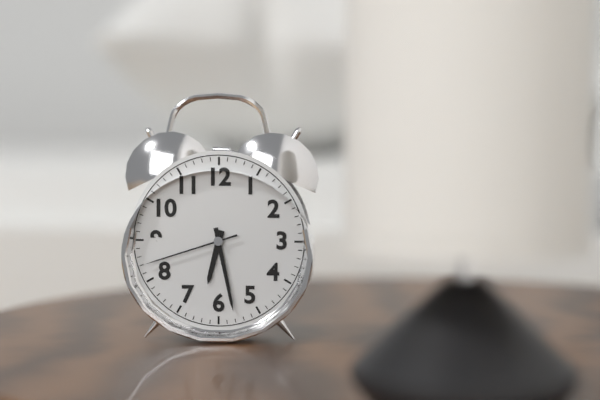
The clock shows 6.28.42
